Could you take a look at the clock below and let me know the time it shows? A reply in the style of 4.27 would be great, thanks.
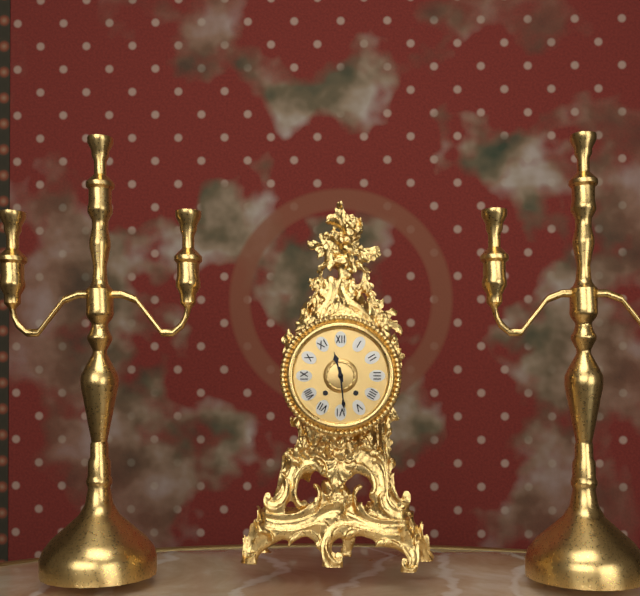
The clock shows 11.29
